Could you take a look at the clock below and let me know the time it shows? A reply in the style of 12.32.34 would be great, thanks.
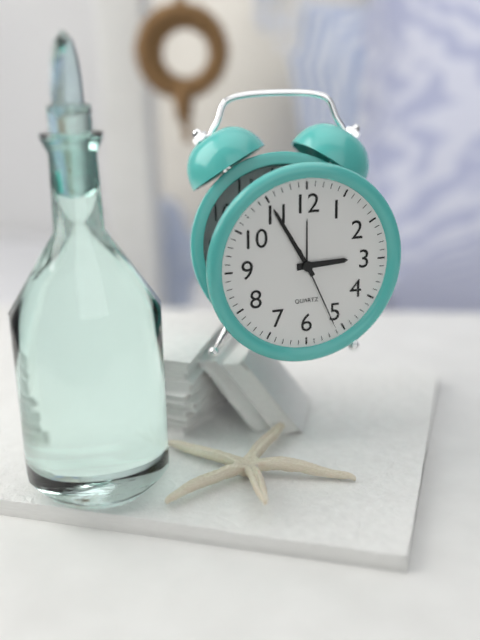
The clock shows 2.55.26
